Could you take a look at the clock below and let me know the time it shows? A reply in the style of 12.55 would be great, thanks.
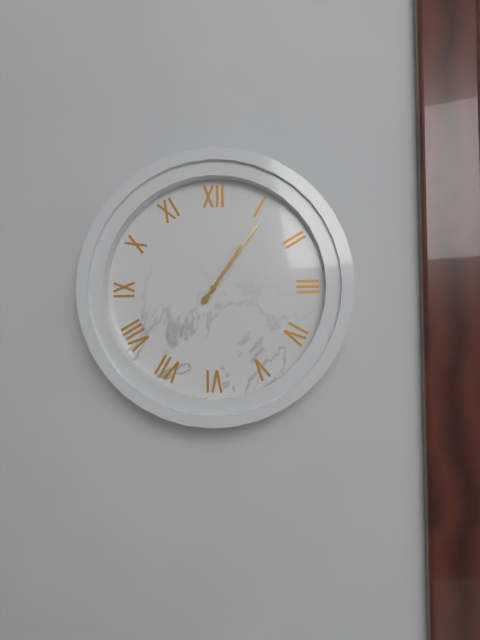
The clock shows 1.06
